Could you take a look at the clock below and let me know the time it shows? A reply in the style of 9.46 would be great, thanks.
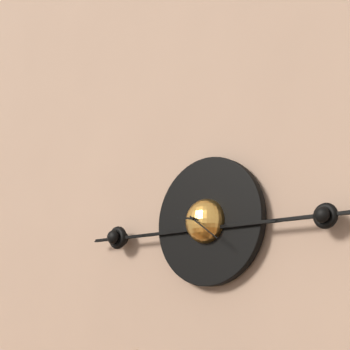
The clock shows 9.21
